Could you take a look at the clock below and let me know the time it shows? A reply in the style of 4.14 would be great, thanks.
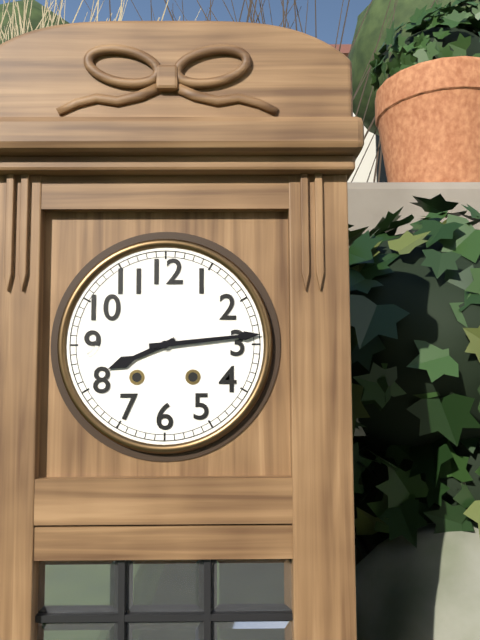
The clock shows 8.14
